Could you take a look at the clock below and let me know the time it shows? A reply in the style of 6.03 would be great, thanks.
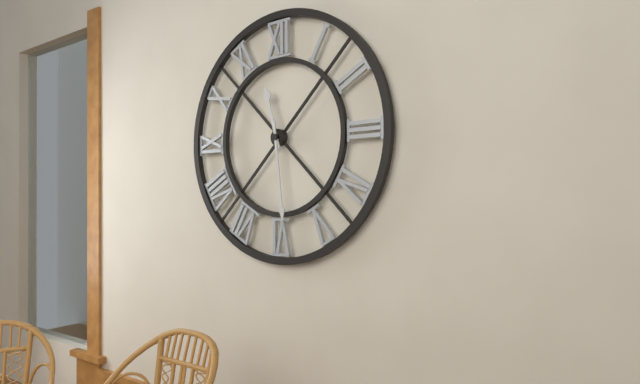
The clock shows 11.29
